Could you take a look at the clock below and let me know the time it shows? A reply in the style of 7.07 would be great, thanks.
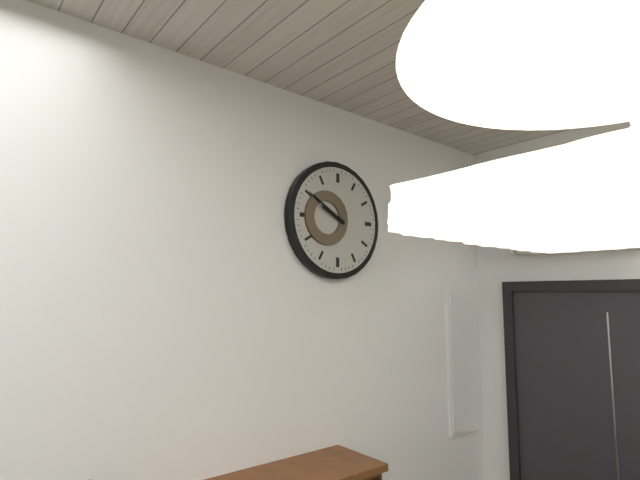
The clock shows 9.50
